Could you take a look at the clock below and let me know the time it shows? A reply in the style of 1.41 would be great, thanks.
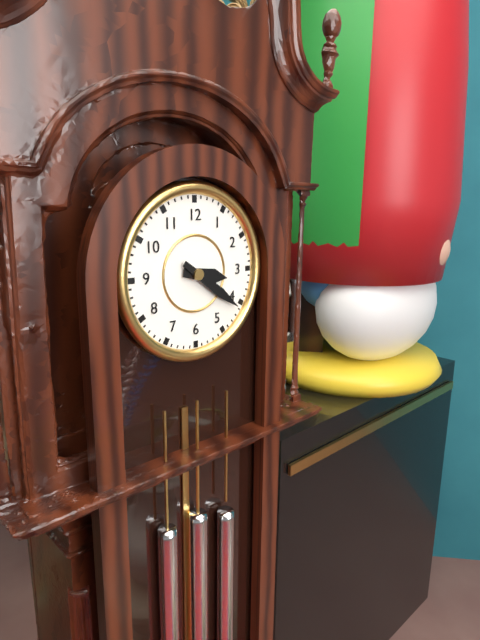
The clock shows 3.21
